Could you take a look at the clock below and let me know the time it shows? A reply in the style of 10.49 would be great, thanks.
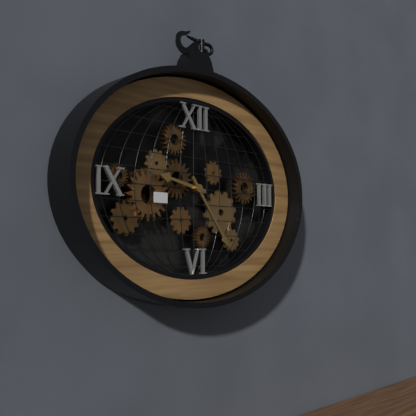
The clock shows 9.24
